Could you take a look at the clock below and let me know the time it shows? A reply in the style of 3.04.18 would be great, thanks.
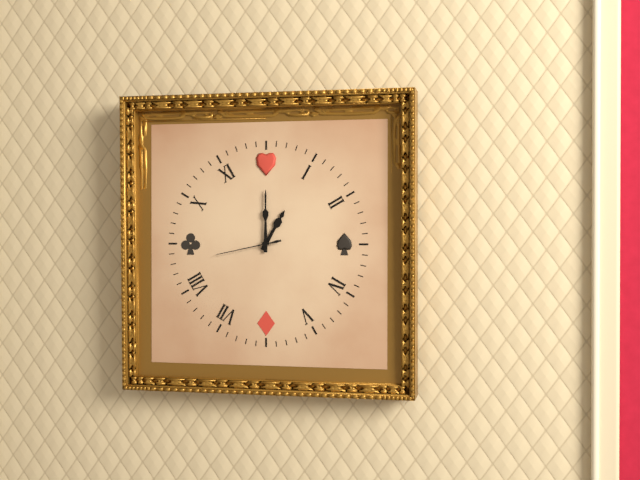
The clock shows 1.00.43
